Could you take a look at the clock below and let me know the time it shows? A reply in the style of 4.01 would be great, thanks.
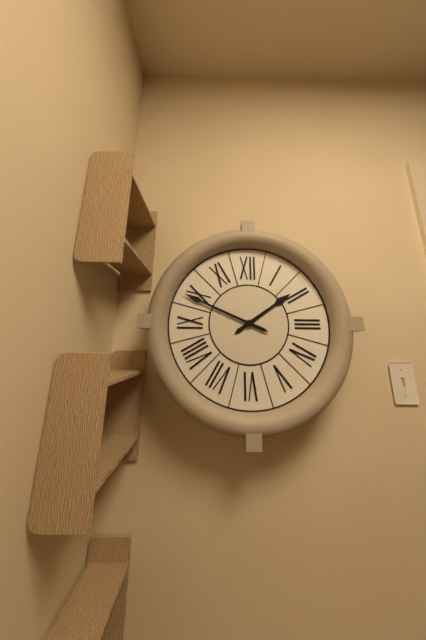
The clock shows 1.49
